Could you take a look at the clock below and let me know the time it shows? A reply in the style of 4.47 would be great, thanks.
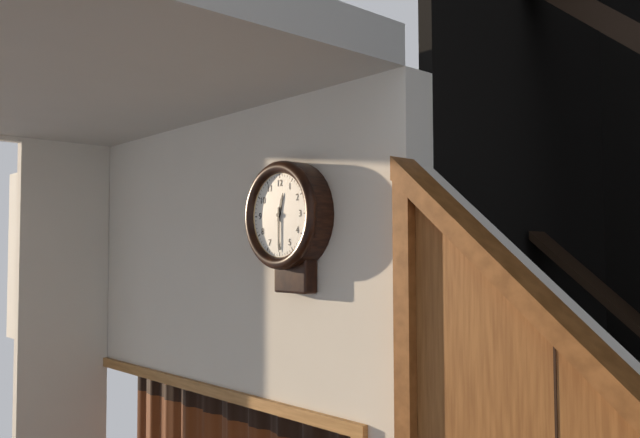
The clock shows 12.30
